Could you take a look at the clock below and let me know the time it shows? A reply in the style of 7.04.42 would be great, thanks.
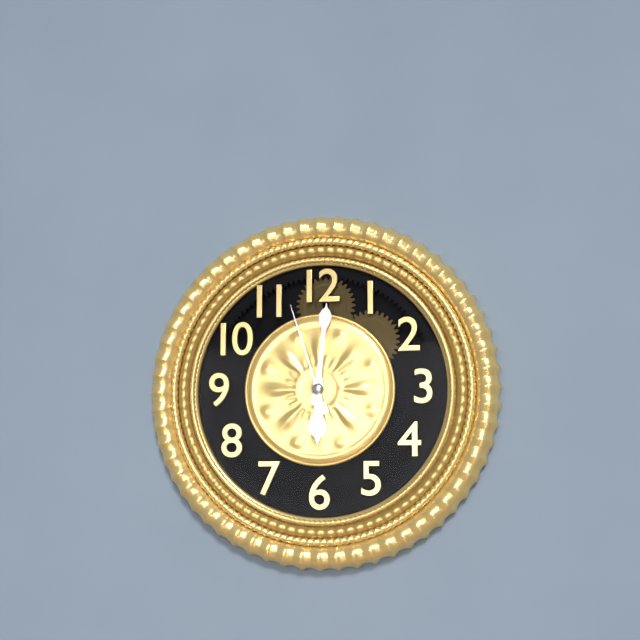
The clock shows 6.01.57
